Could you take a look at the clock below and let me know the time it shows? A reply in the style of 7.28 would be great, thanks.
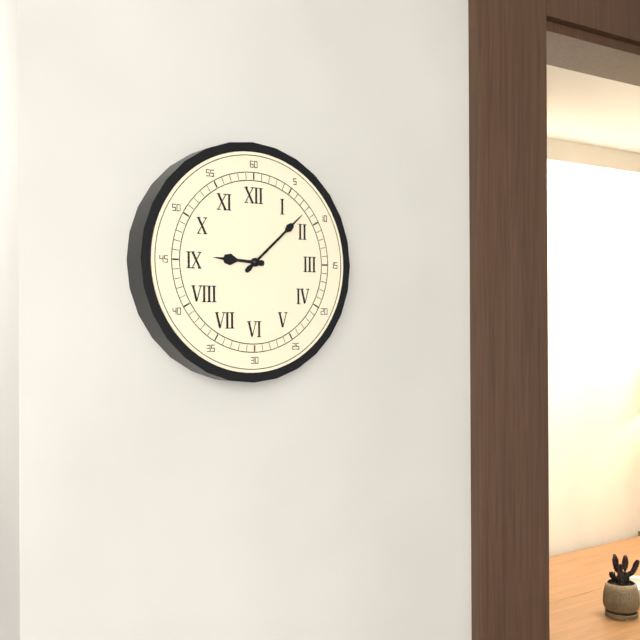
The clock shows 9.08
